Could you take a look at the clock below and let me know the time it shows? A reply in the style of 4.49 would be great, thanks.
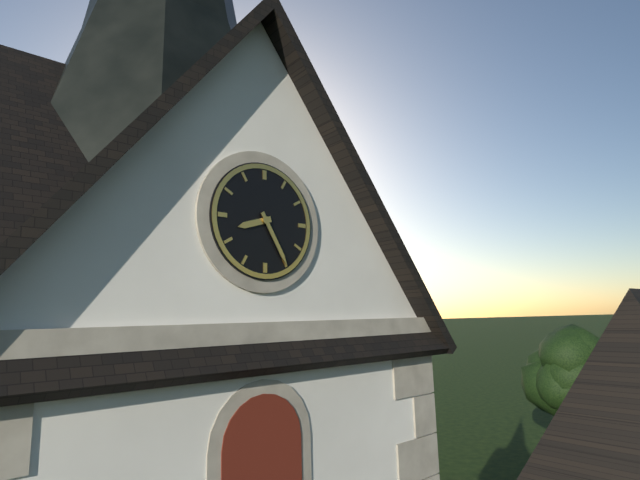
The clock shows 8.25
